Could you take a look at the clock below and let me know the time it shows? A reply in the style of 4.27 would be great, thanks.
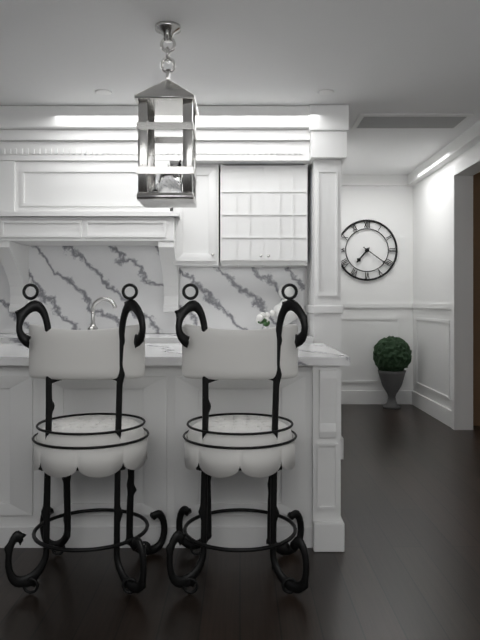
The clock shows 7.21
